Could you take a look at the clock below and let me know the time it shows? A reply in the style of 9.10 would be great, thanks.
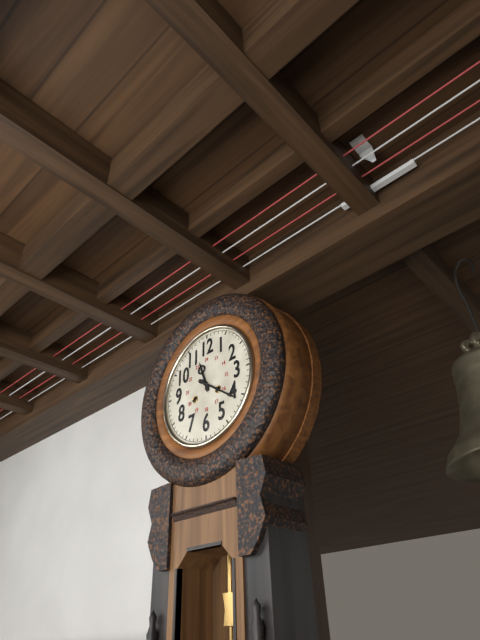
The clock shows 11.21
